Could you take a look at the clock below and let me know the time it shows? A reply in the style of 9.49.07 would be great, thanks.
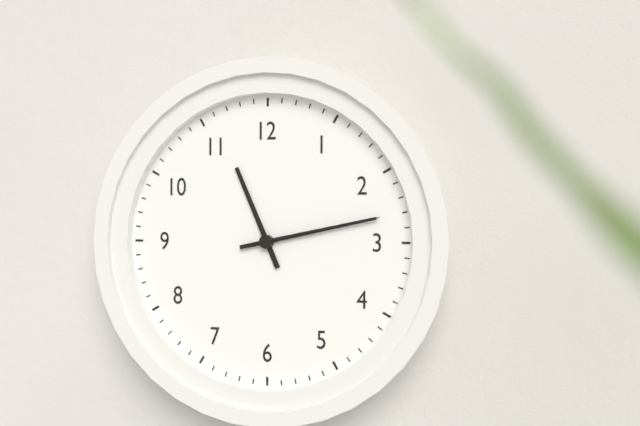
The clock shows 11.13.13
